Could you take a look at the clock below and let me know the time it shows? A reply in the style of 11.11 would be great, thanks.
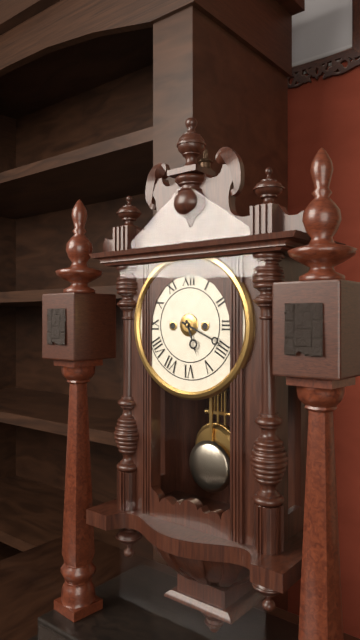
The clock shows 5.19
